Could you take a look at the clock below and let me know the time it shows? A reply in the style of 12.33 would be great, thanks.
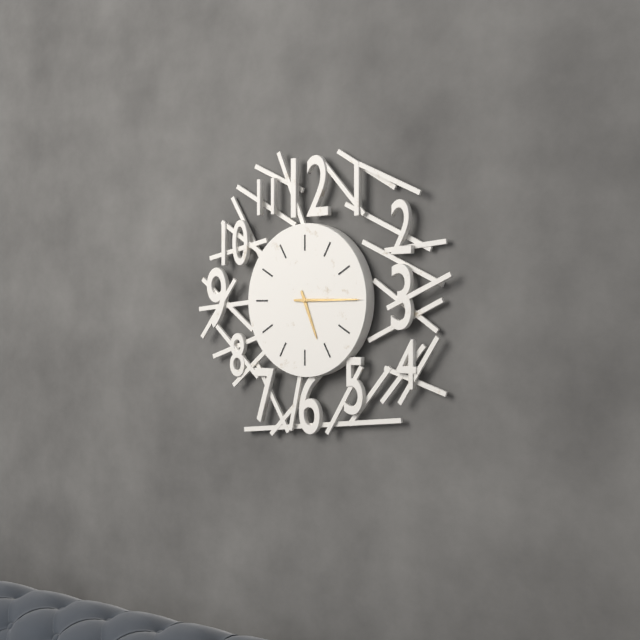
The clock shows 5.15
